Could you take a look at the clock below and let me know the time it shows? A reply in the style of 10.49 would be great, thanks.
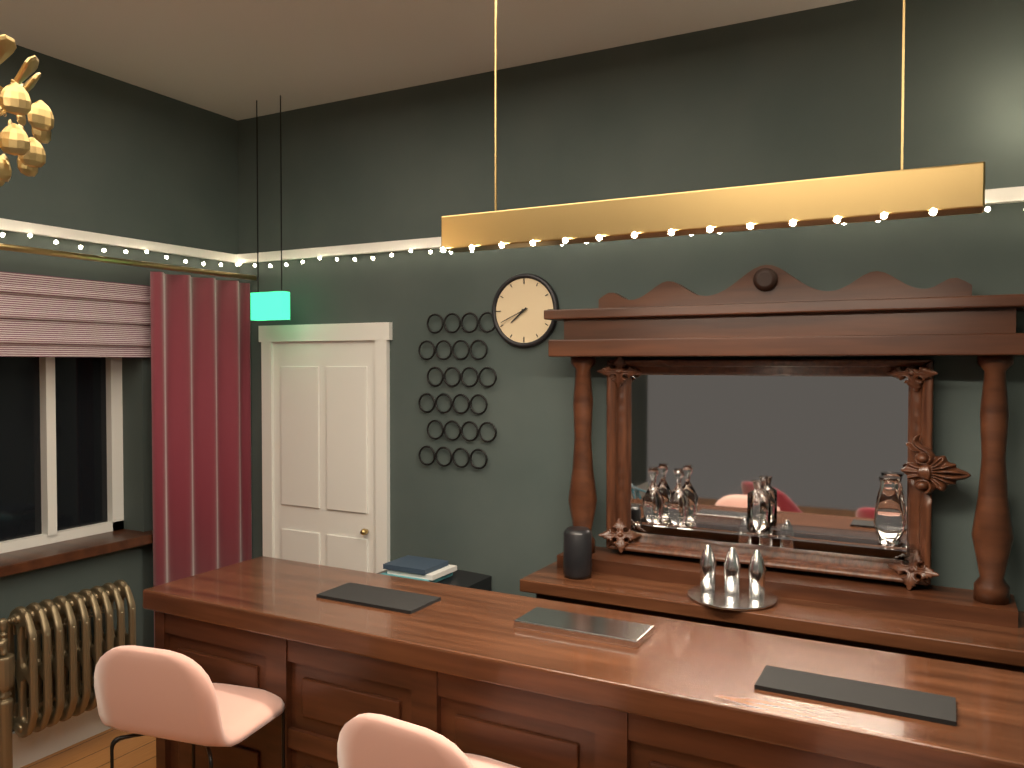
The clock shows 7.41
